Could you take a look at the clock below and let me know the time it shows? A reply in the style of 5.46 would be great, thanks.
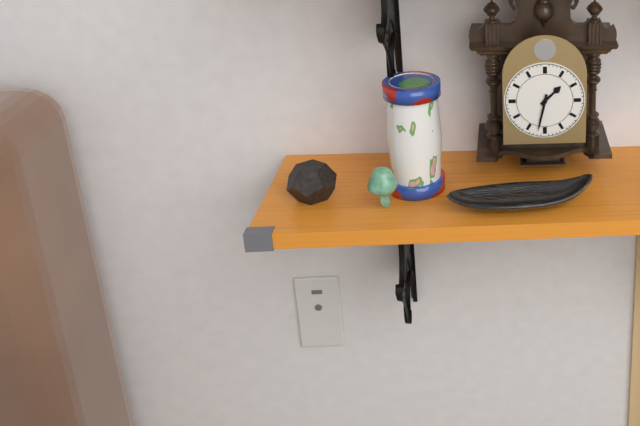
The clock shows 1.32
